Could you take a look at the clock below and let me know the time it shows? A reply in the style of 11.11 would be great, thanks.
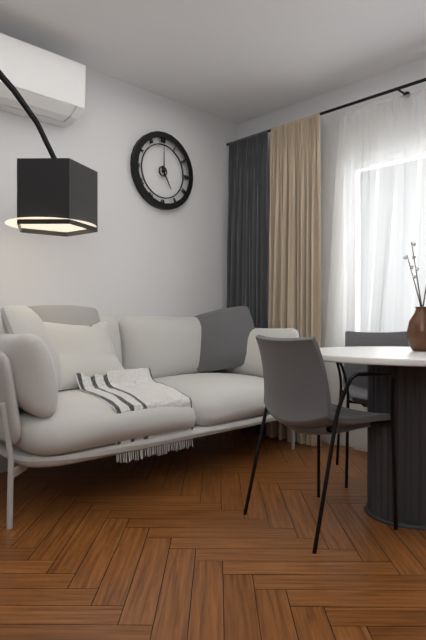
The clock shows 5.00
